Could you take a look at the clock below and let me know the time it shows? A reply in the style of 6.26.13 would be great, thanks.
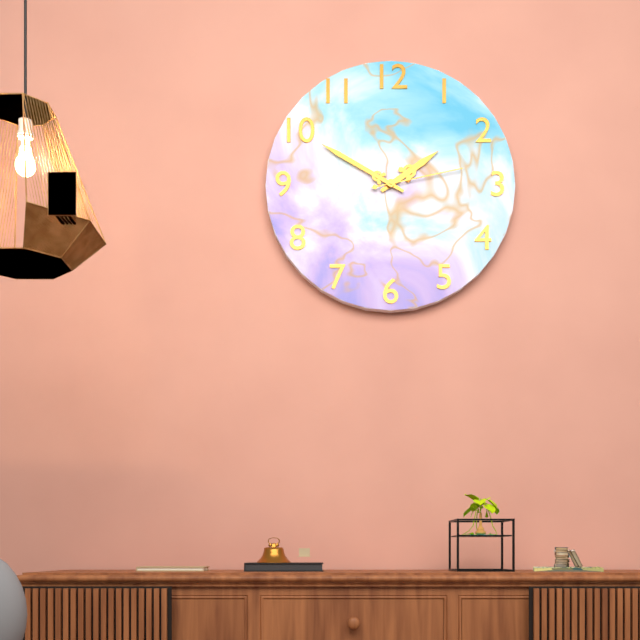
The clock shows 1.50.13
